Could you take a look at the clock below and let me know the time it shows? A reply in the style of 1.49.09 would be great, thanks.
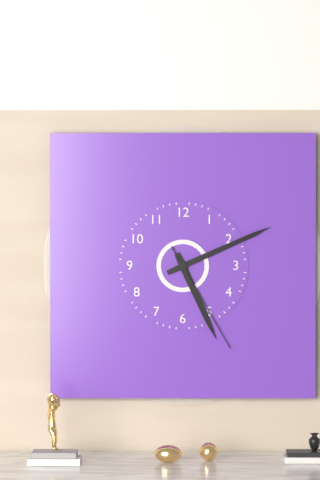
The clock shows 5.11.25
